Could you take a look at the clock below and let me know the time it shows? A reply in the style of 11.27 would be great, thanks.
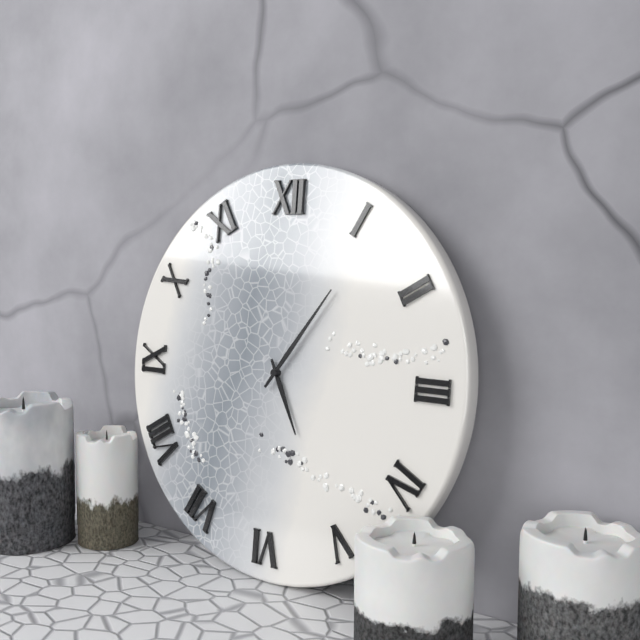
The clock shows 5.06
